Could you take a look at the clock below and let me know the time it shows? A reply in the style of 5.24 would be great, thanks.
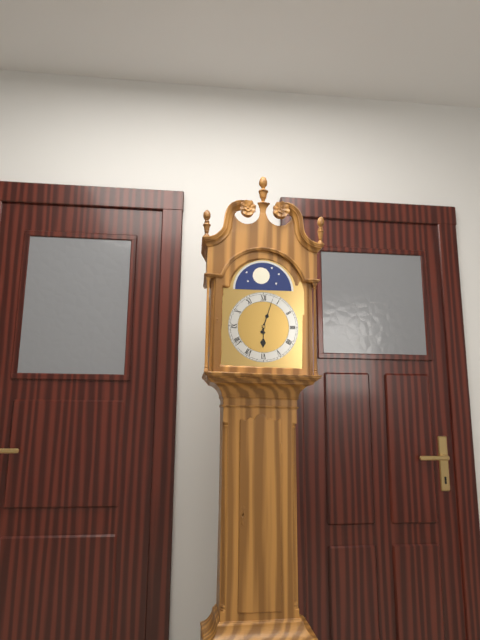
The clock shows 6.03
